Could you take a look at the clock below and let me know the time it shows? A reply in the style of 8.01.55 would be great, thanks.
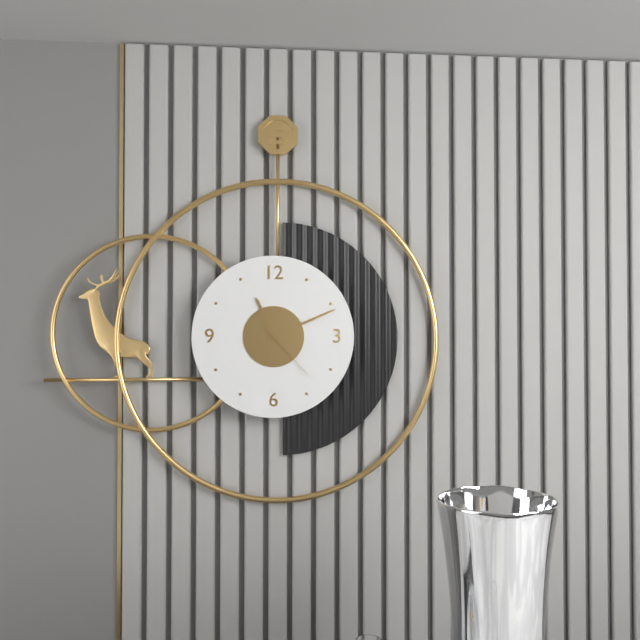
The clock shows 11.11.23
